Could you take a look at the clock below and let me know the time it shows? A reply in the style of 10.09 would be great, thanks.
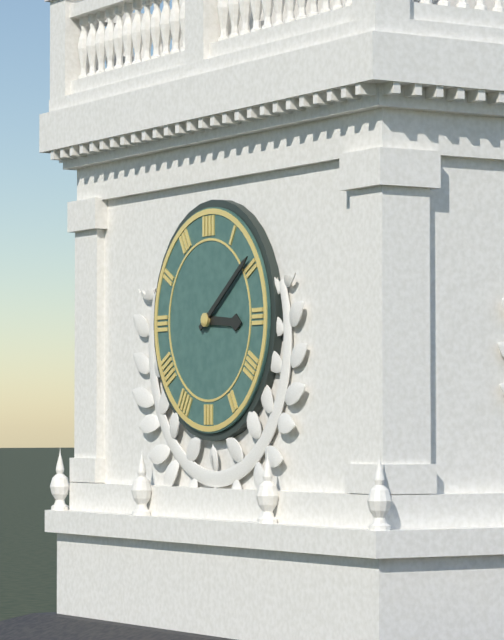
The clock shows 3.09
